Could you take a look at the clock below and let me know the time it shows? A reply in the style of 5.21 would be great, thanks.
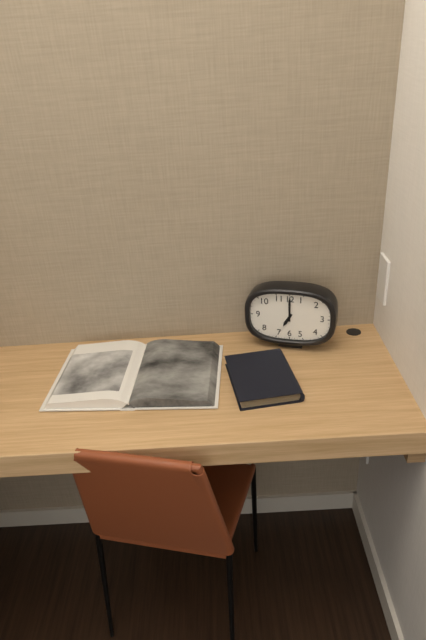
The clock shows 7.00
